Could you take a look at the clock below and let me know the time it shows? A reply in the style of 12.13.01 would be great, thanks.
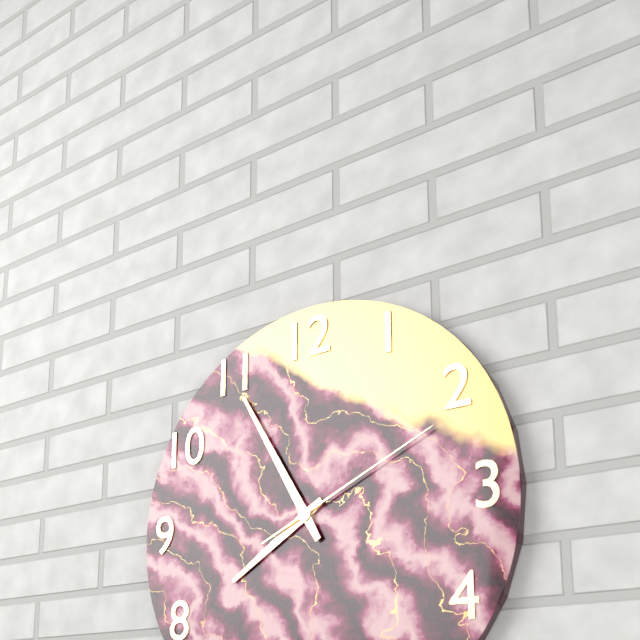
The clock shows 7.55.11
